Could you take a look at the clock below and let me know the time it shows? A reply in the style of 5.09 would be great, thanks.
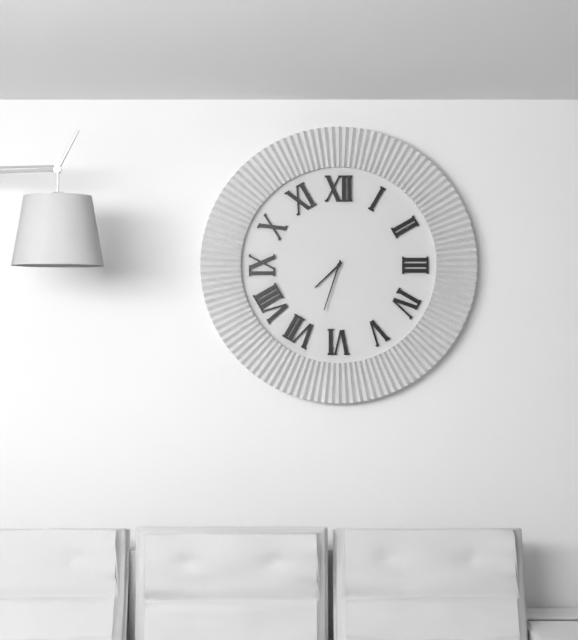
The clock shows 7.33
